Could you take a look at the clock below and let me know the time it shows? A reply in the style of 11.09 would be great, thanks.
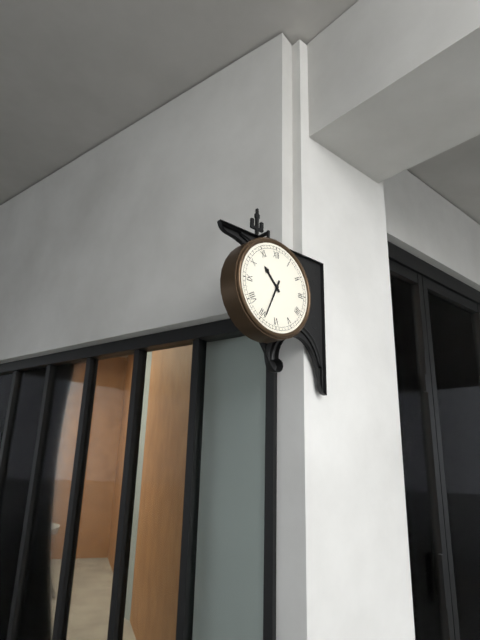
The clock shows 10.34
